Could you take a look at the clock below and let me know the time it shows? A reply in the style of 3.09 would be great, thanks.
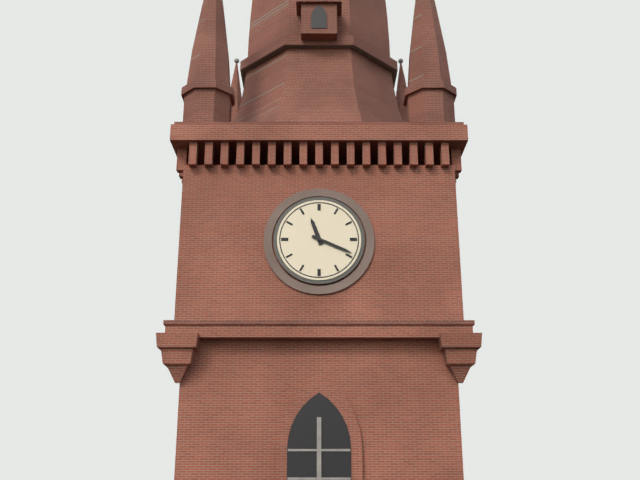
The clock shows 11.19
